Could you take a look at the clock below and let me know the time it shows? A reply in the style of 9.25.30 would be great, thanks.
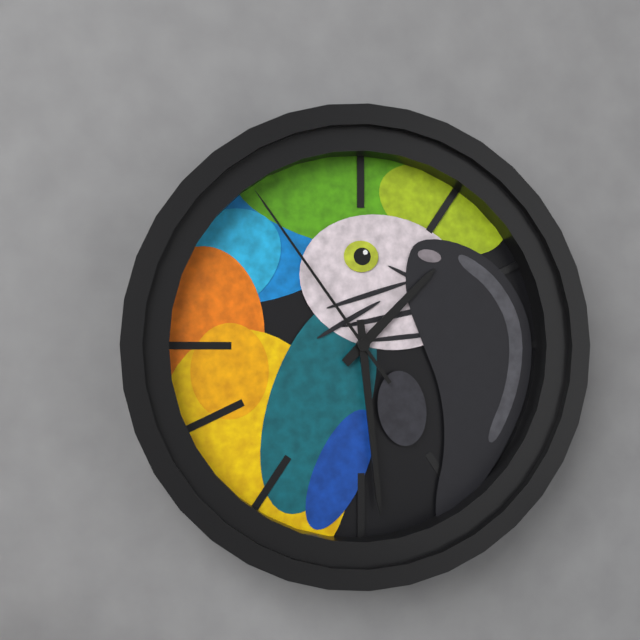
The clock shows 1.29.54
